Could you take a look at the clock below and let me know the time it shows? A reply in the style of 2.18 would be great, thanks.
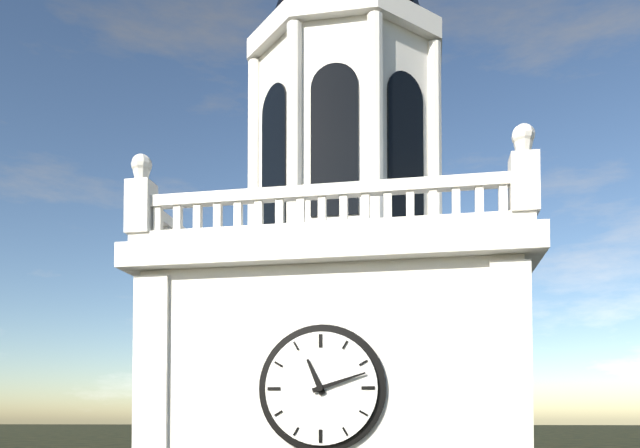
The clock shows 11.12
